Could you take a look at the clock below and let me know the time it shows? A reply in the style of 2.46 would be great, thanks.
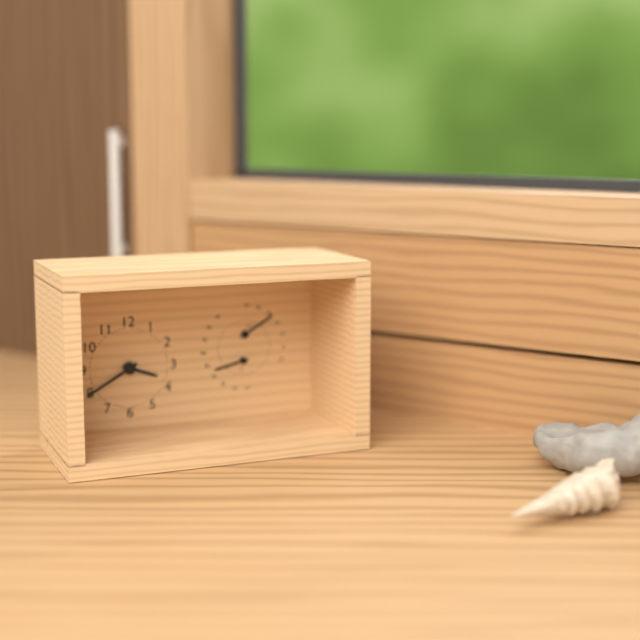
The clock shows 3.40
